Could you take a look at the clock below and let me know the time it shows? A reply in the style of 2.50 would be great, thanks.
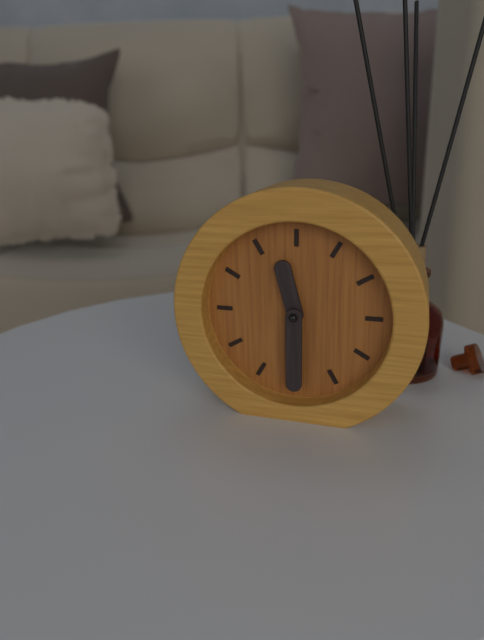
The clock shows 11.30
